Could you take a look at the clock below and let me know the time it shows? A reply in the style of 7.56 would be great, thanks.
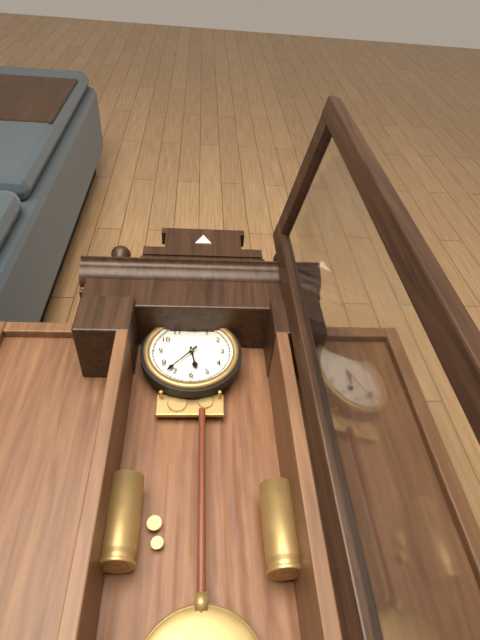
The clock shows 5.37
